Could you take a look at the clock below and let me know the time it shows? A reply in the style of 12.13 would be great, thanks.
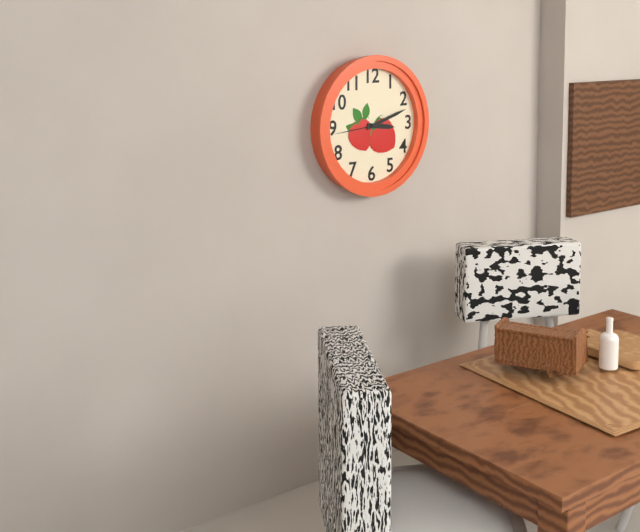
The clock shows 3.12
